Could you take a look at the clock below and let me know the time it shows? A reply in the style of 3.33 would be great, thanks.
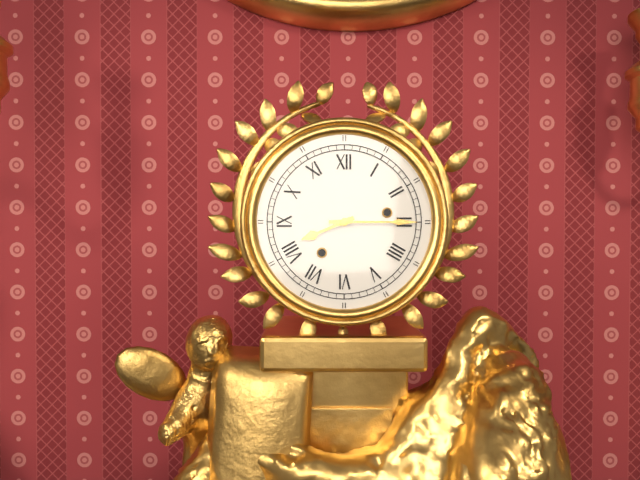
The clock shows 8.15
